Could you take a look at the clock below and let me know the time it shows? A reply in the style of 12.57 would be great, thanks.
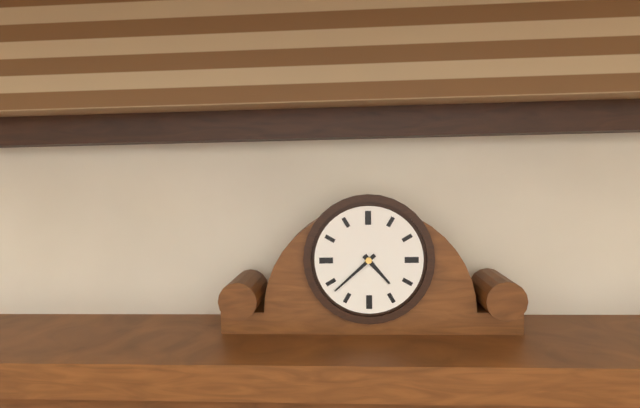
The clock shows 4.38
